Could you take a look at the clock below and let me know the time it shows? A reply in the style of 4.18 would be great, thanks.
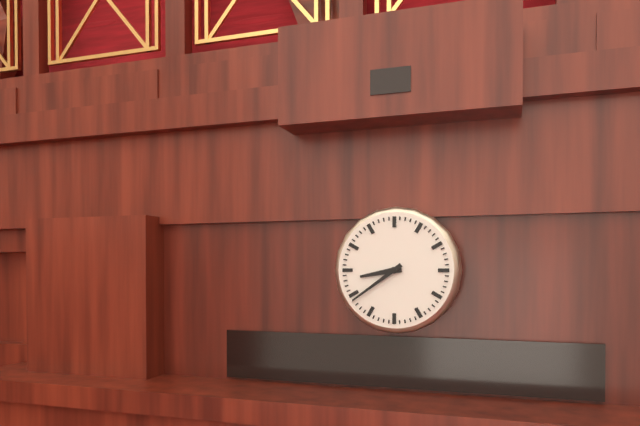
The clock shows 8.39
